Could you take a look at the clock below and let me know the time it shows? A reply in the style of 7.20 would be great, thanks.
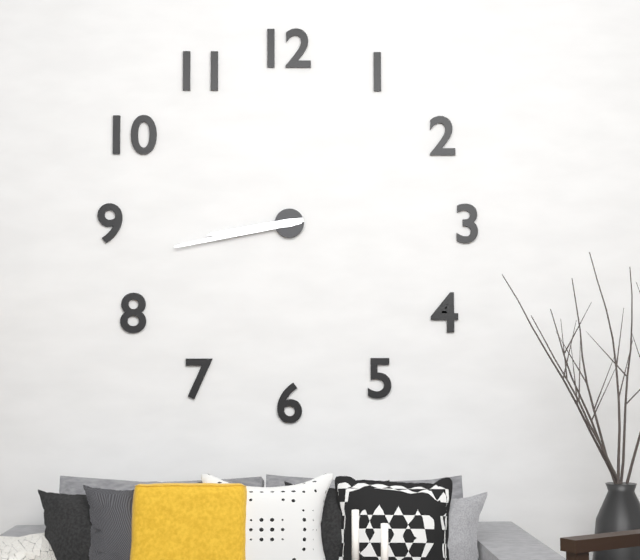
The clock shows 8.43
